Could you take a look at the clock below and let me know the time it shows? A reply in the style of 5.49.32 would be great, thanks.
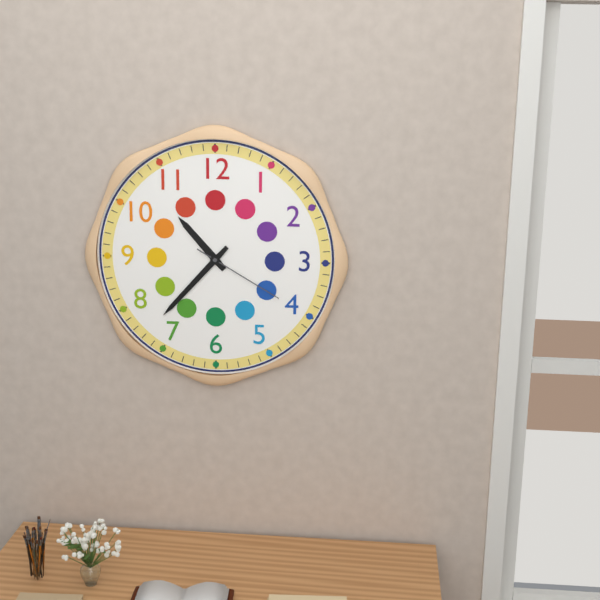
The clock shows 10.37.20
